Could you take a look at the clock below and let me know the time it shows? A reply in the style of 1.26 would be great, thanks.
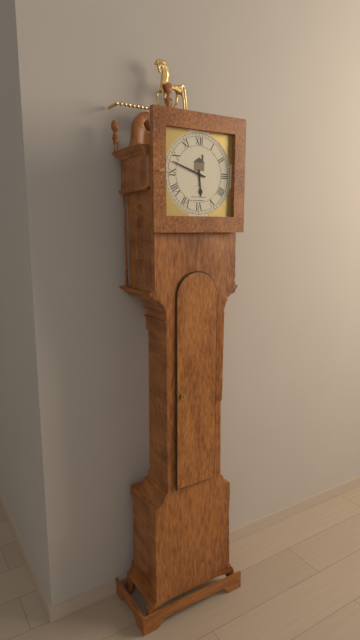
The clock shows 5.48
